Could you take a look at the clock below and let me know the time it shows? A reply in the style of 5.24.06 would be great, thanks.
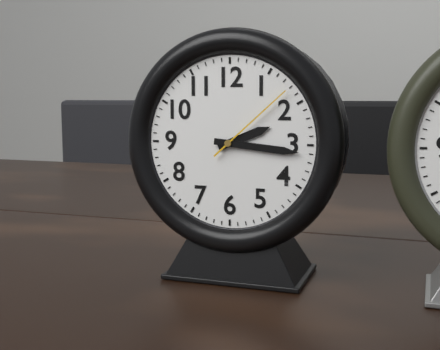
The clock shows 2.16.08
